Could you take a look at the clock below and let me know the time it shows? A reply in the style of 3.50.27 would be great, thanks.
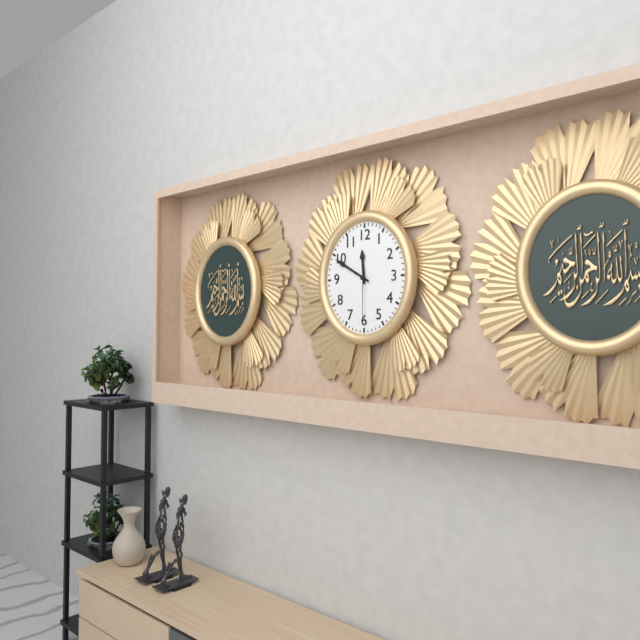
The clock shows 11.50.30
